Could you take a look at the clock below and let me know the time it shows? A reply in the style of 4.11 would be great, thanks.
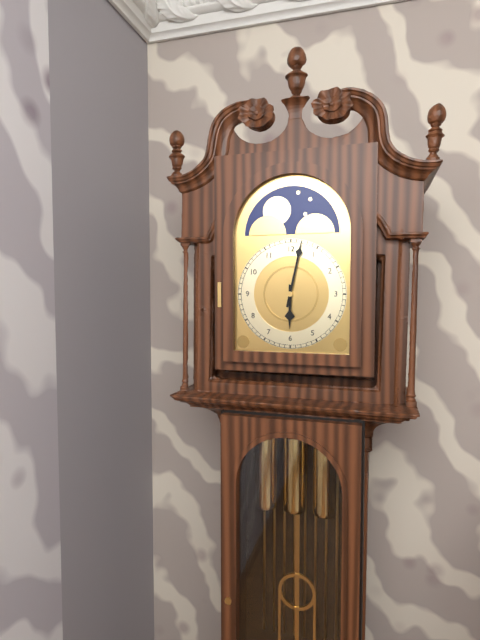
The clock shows 6.02
